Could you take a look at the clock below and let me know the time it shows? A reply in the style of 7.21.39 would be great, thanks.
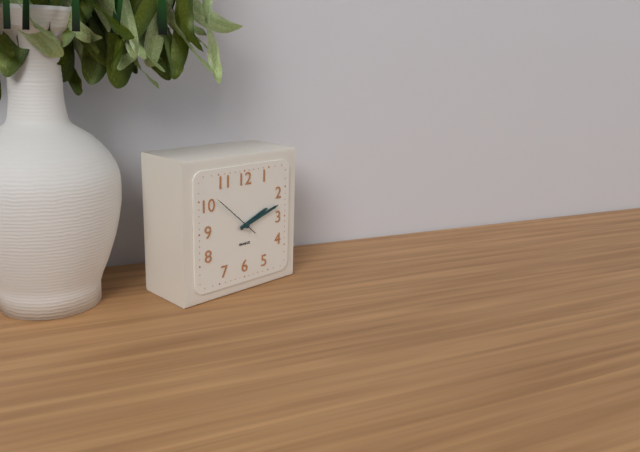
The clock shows 2.12.52
